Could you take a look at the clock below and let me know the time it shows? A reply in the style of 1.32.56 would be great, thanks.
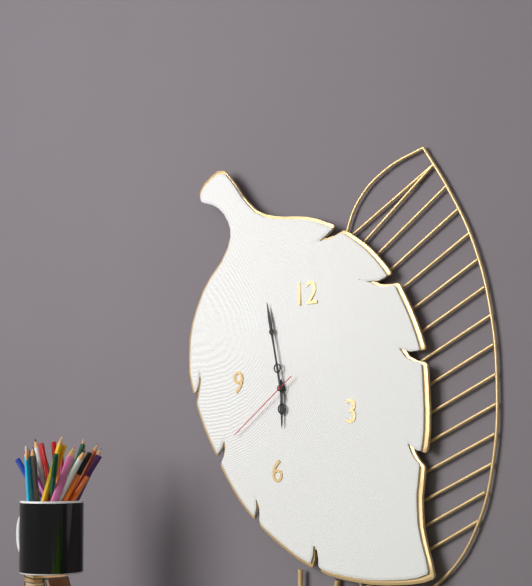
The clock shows 5.58.39
